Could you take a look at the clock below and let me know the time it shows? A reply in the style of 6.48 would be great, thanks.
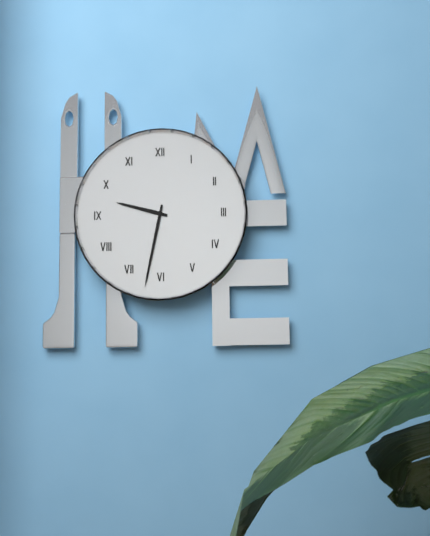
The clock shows 9.32
